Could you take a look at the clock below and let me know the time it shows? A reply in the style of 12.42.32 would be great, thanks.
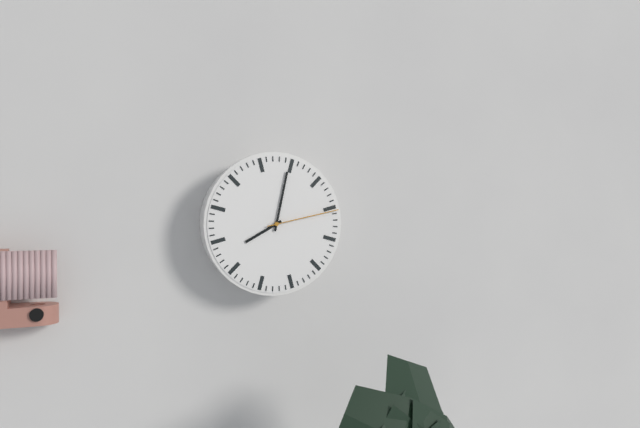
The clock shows 8.02.13
